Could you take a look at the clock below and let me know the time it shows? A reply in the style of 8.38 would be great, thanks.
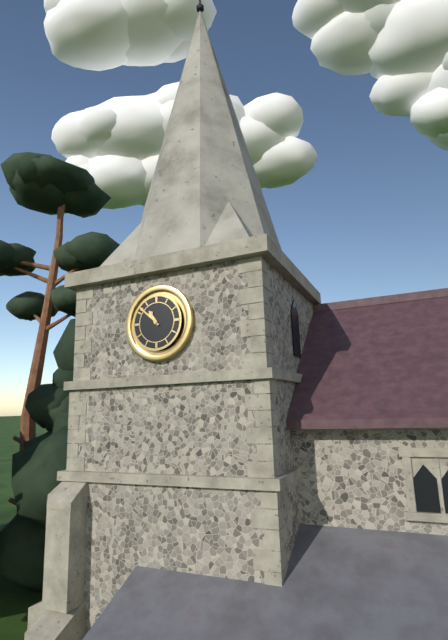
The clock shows 10.52
